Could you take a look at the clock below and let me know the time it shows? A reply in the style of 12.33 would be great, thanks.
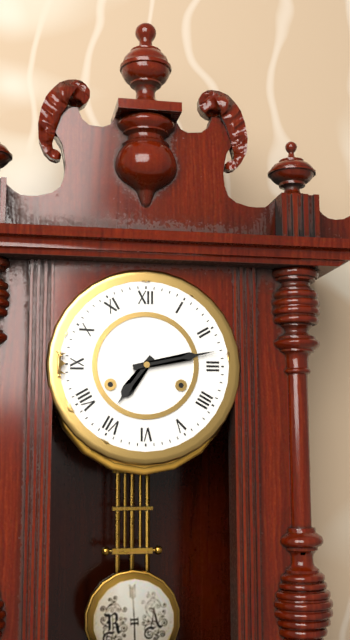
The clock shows 7.13
